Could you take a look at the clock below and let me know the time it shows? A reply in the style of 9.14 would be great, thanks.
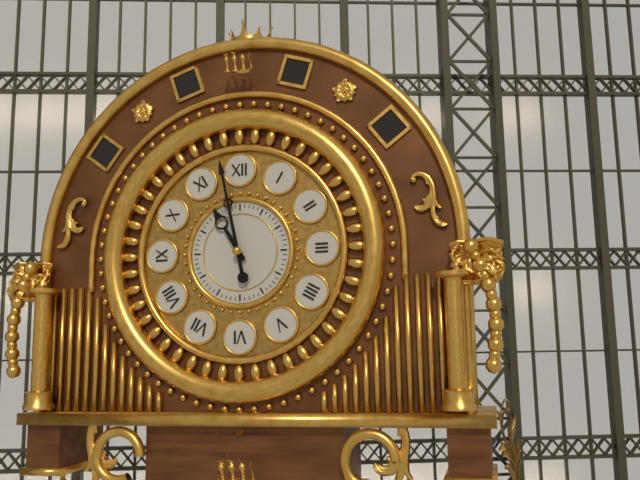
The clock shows 10.58
